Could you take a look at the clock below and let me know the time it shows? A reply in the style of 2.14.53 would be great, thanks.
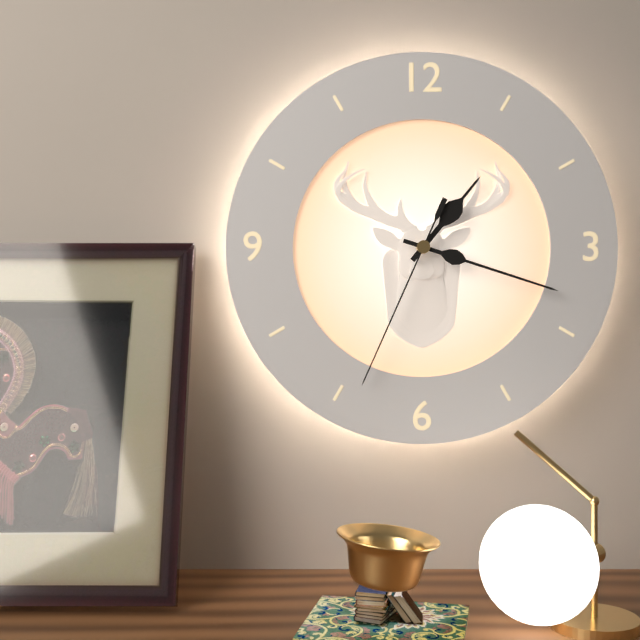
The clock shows 1.18.34
